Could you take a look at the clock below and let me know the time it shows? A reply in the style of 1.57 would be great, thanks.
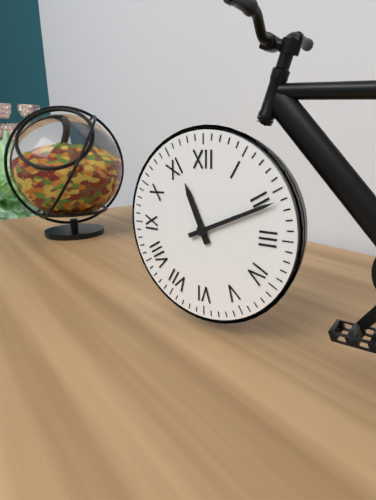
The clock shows 11.11
